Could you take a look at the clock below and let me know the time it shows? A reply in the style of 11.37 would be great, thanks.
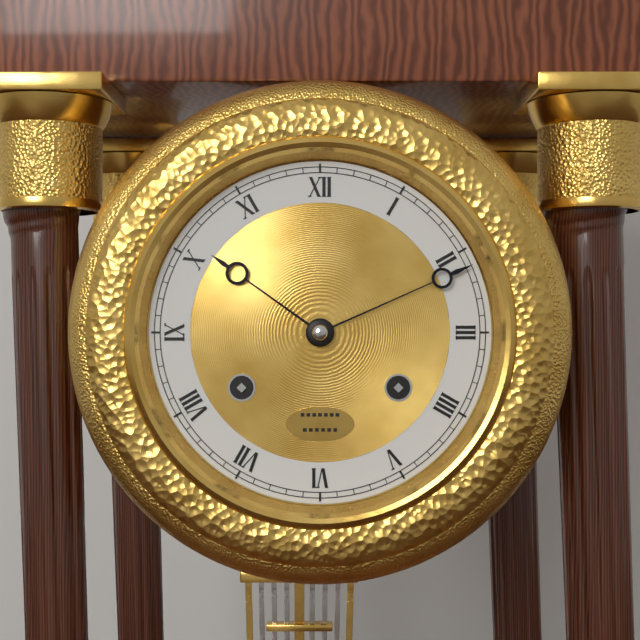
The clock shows 10.11
